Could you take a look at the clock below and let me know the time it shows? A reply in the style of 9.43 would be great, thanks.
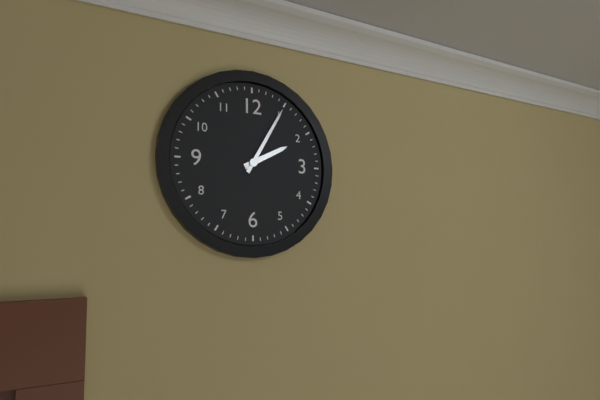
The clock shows 2.05
